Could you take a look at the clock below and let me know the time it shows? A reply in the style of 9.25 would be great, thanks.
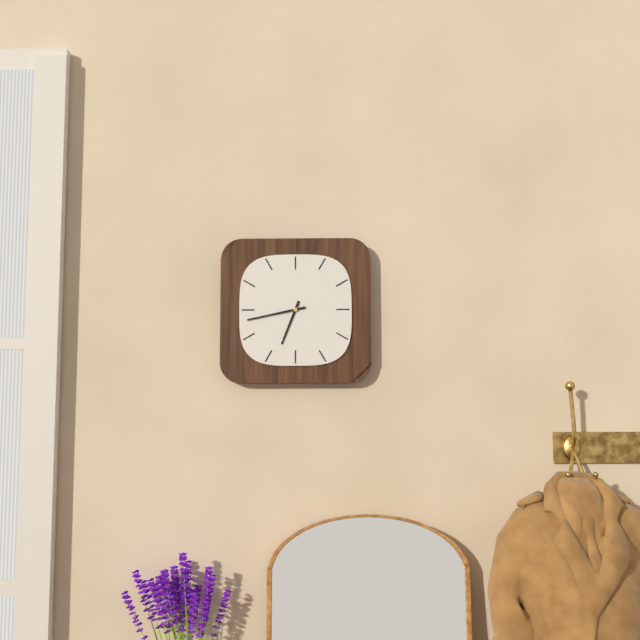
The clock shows 6.43
